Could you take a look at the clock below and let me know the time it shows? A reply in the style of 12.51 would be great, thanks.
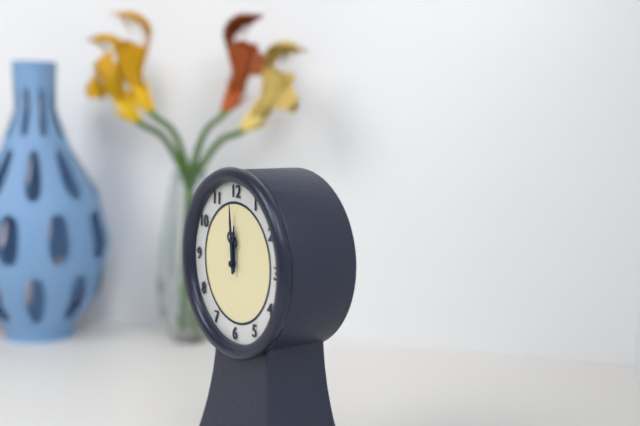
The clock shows 11.59
